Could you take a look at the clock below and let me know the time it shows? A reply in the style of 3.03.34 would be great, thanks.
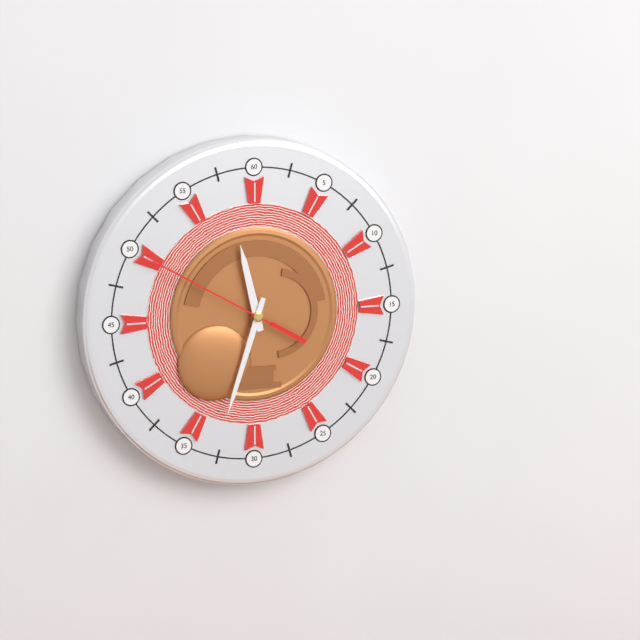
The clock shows 11.33.50
